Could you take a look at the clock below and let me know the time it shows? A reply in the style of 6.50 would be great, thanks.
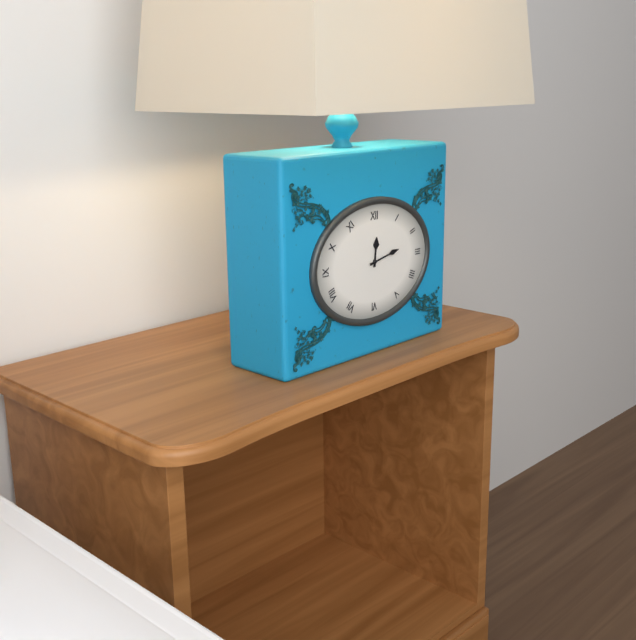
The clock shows 12.13
